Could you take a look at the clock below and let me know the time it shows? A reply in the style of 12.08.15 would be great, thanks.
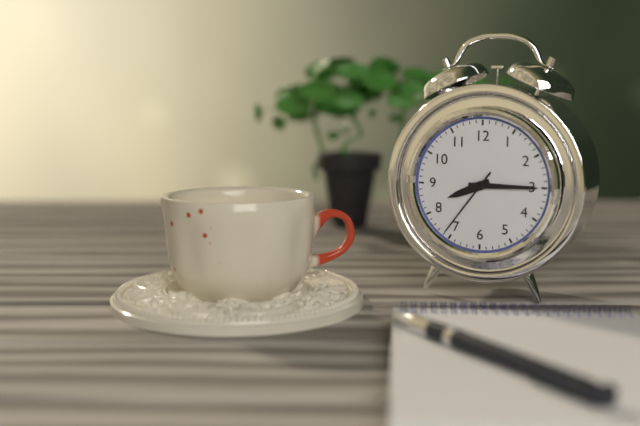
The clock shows 8.15.36
